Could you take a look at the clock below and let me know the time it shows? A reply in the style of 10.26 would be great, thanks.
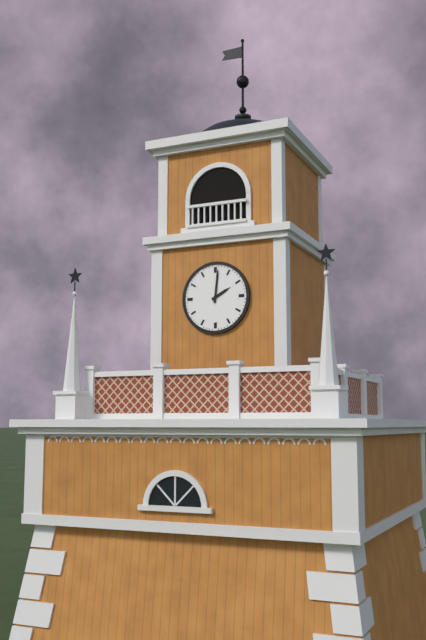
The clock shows 2.01
